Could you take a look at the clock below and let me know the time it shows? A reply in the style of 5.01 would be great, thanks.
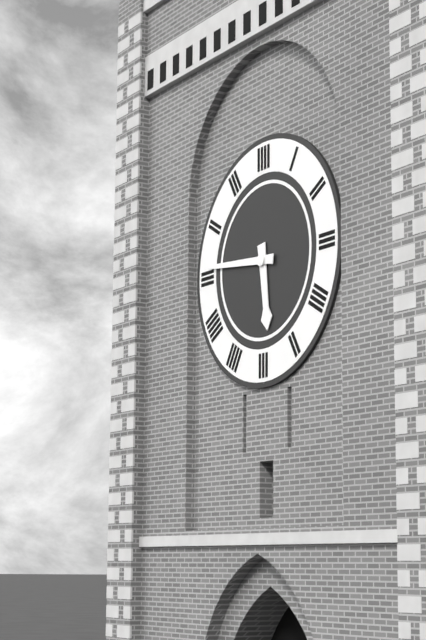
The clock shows 5.46
